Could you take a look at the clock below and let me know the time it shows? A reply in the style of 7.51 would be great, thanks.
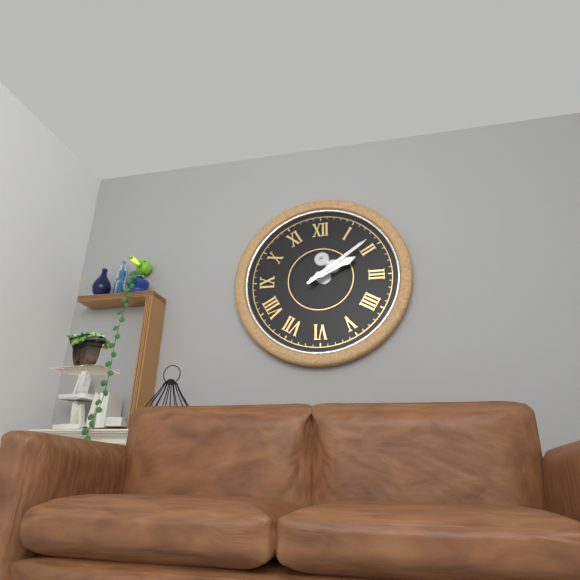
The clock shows 2.09
